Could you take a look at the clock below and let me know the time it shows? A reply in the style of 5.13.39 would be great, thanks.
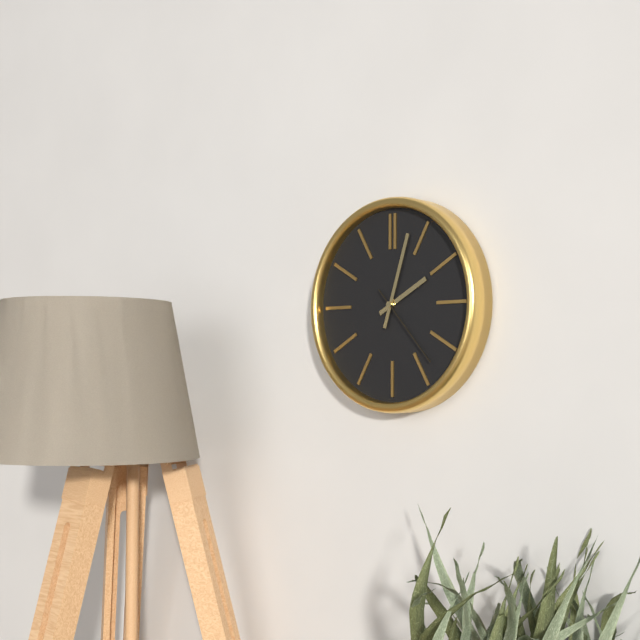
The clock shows 2.03.23
